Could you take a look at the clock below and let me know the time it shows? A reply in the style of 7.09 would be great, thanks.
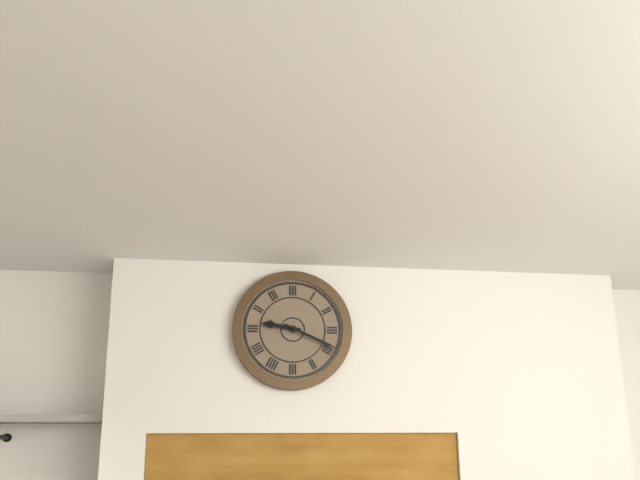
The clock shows 9.19
